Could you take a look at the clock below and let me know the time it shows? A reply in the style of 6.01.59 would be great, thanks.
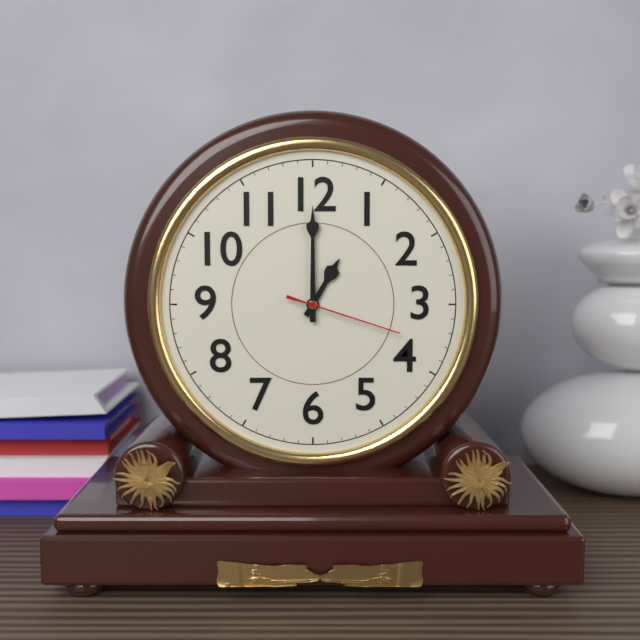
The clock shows 1.00.18
